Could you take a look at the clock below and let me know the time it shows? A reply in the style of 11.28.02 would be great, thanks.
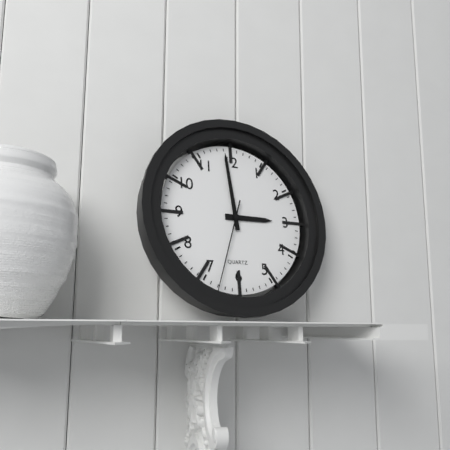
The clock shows 2.59.33
